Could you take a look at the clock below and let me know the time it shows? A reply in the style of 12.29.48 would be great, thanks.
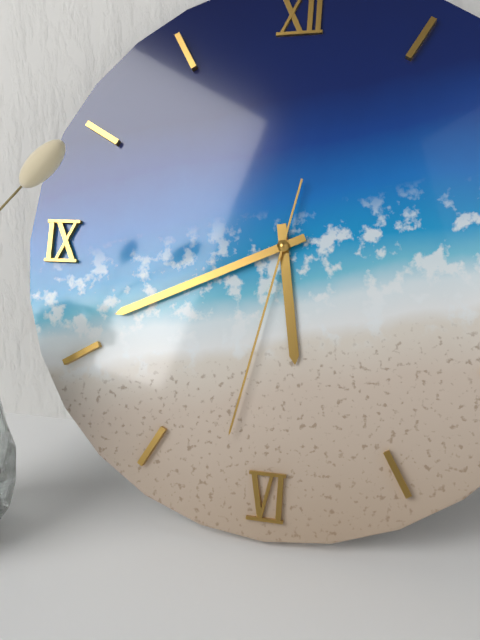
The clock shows 5.41.32
